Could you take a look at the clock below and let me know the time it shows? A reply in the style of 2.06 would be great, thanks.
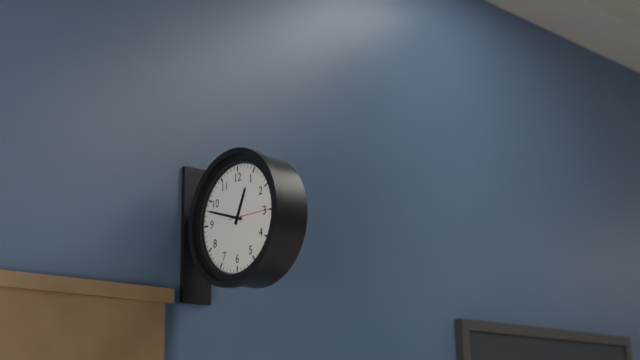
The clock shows 12.48
